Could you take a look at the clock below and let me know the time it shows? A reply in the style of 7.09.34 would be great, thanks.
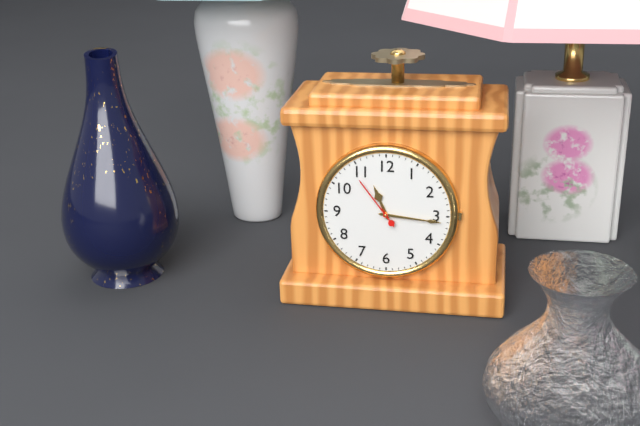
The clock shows 11.16.54
